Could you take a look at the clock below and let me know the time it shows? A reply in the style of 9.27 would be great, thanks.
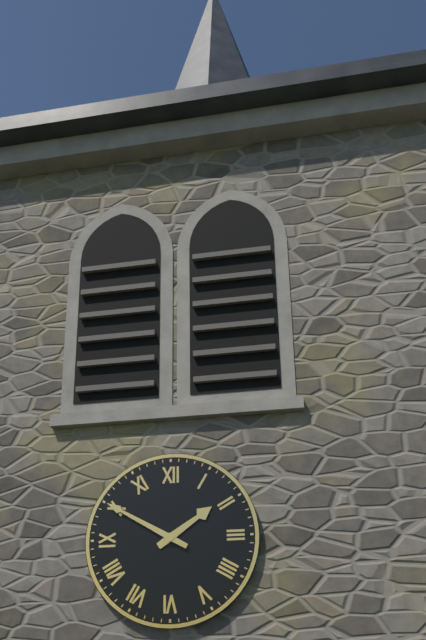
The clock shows 1.50
